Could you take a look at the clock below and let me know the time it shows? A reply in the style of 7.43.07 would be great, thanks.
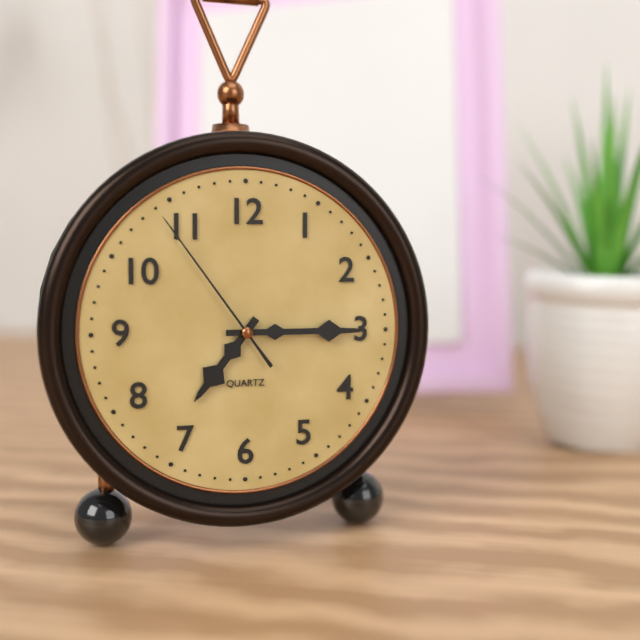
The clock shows 7.15.54
